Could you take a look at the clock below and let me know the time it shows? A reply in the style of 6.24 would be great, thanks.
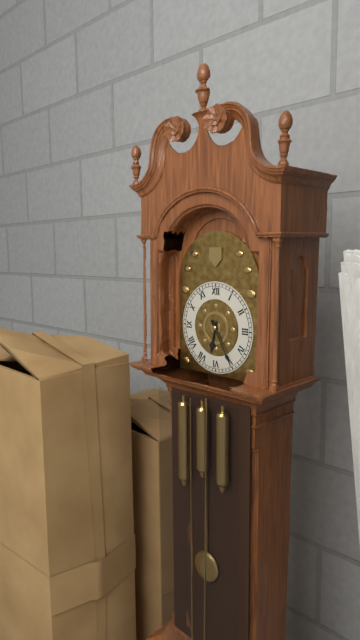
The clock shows 6.25
